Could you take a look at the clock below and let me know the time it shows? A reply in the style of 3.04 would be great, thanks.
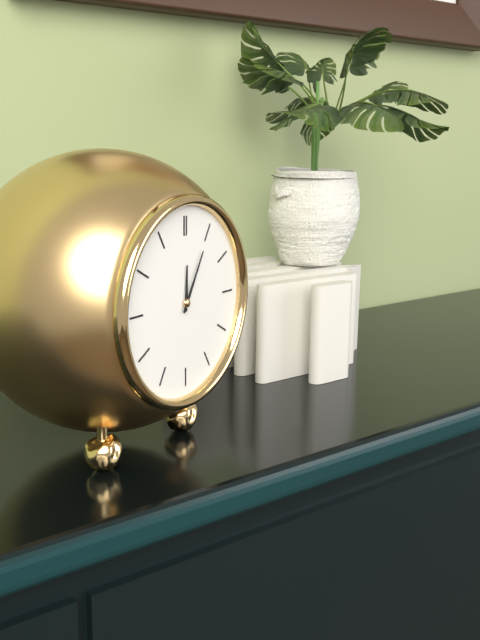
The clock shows 12.05
